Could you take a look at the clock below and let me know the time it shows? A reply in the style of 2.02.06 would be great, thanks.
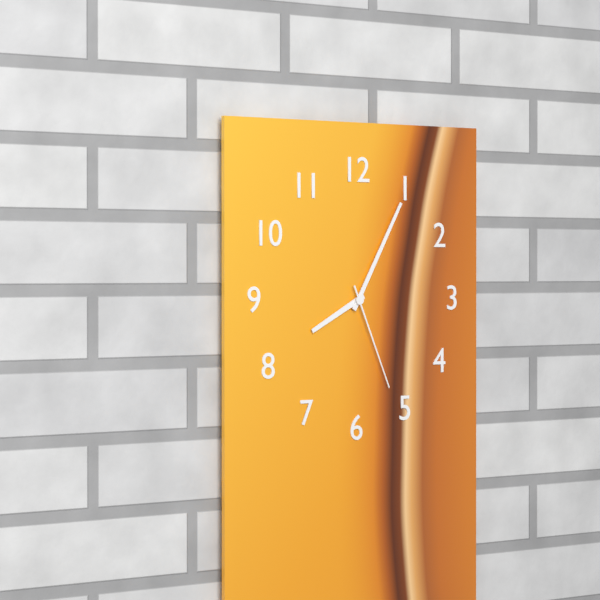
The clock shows 8.05.26
